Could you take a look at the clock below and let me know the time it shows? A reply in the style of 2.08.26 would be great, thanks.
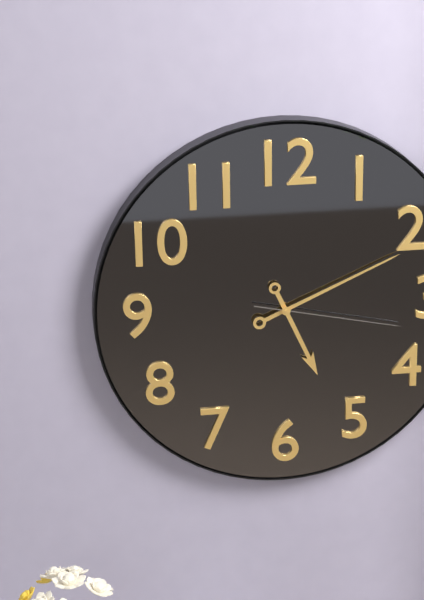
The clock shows 5.11.17
